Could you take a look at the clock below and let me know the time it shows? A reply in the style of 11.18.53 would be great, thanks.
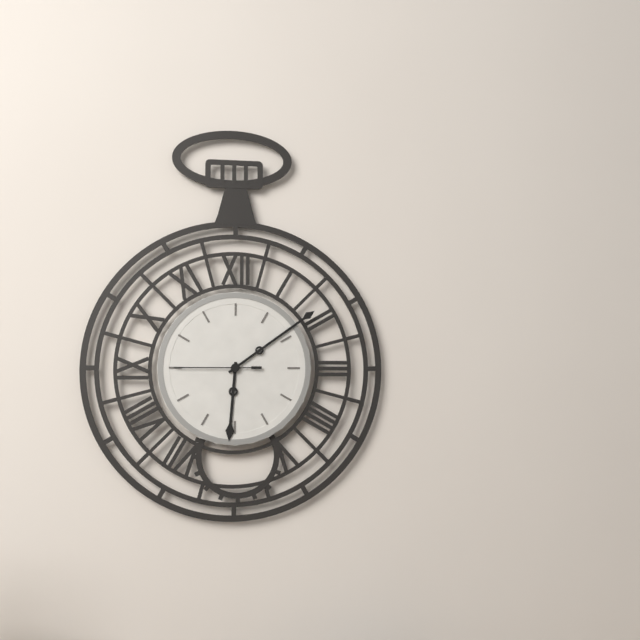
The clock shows 6.09.45
